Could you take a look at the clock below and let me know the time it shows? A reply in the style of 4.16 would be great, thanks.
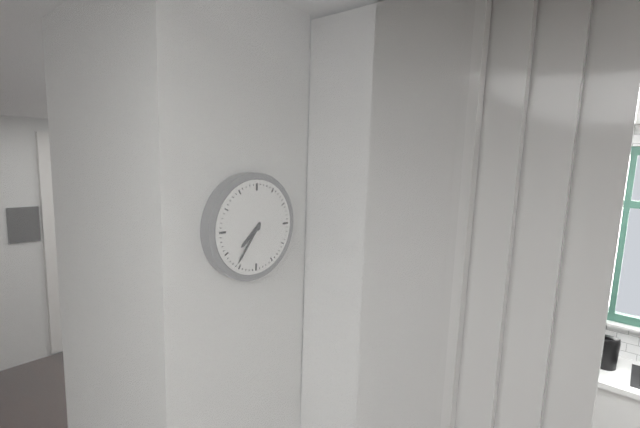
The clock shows 7.36
